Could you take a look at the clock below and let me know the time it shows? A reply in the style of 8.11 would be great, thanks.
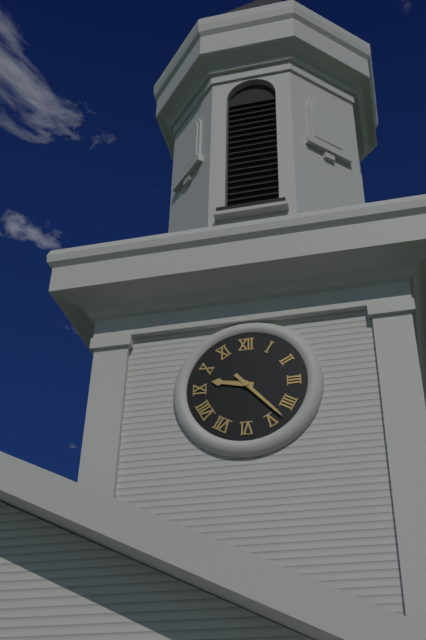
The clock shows 9.23
